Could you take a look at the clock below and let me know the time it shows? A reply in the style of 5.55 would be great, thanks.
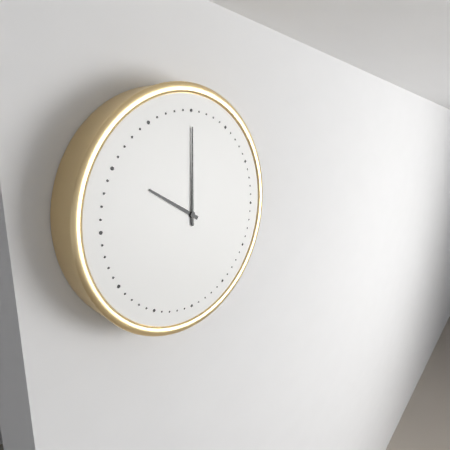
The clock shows 10.00
